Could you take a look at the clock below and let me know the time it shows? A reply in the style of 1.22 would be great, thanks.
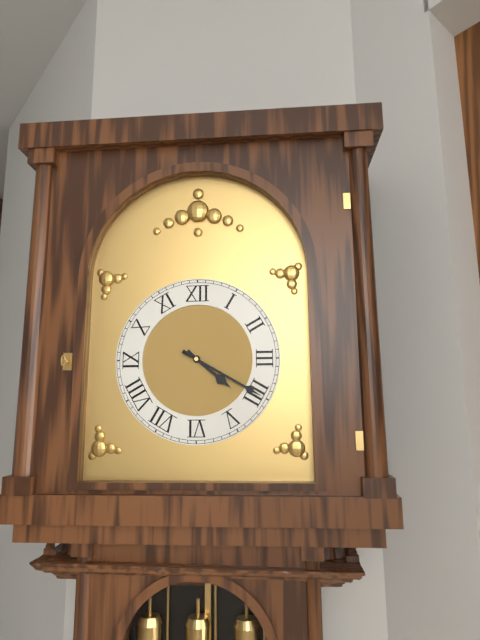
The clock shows 4.20
